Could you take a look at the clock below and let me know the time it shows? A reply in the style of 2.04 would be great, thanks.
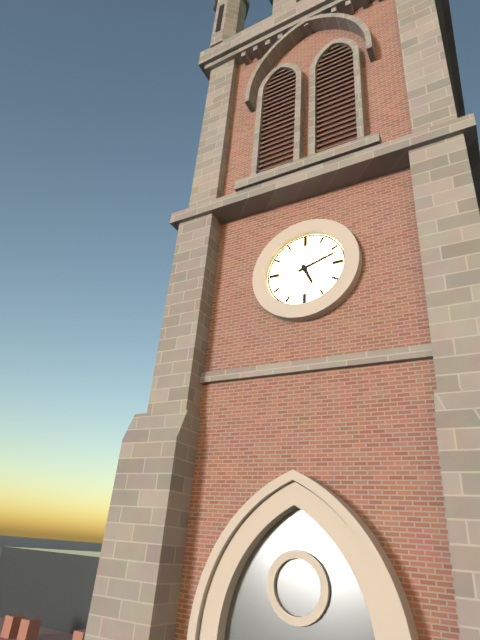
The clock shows 5.12
